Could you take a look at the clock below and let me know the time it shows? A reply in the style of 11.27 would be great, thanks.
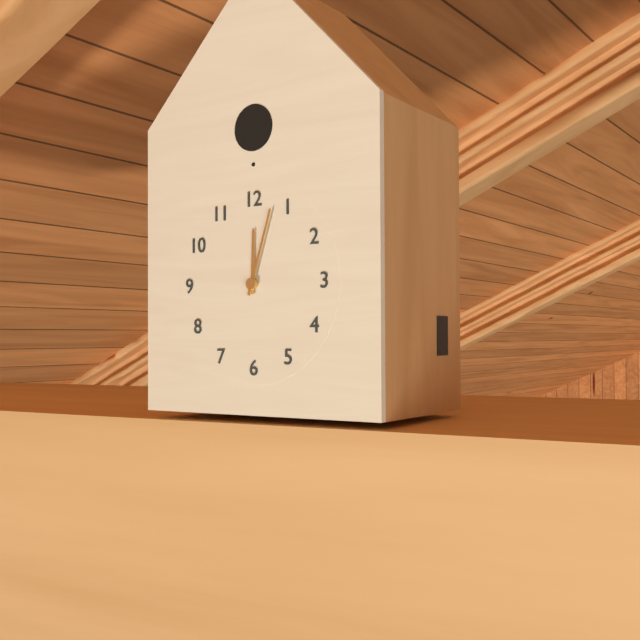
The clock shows 12.03
